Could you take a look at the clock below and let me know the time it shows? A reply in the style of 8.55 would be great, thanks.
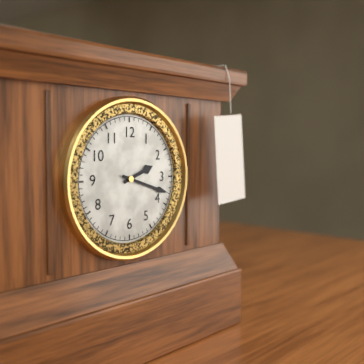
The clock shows 2.18
